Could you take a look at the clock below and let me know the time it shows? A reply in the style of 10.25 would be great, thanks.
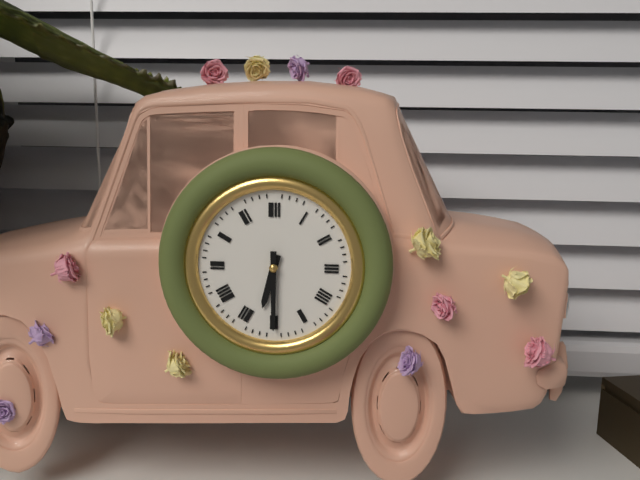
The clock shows 6.30
